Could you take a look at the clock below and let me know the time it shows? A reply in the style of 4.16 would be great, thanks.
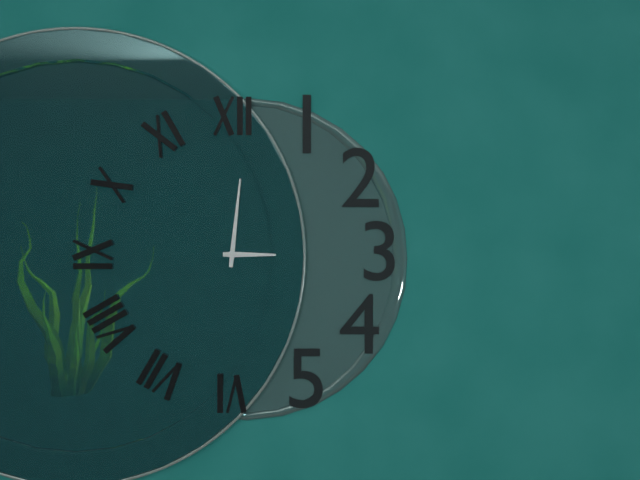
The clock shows 3.01
